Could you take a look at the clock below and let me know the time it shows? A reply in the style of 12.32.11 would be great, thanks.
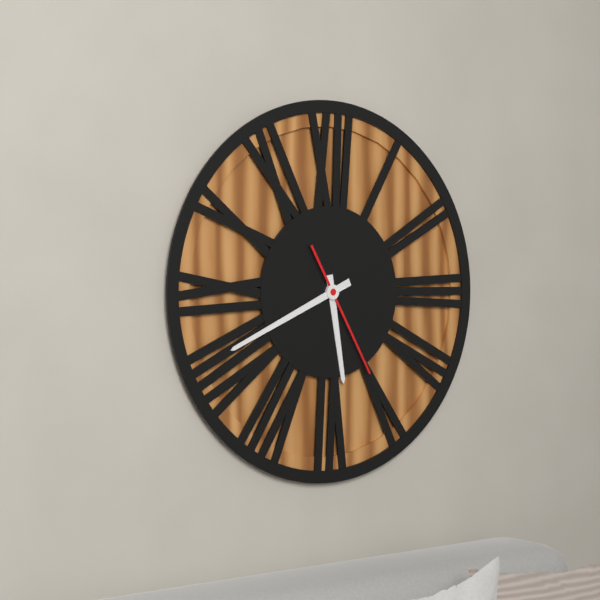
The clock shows 5.41.25
